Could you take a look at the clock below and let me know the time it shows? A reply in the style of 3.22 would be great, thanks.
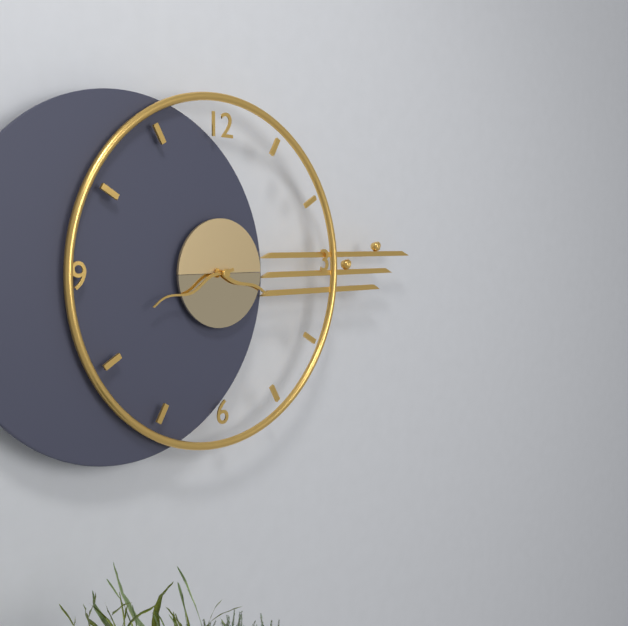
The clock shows 3.42
